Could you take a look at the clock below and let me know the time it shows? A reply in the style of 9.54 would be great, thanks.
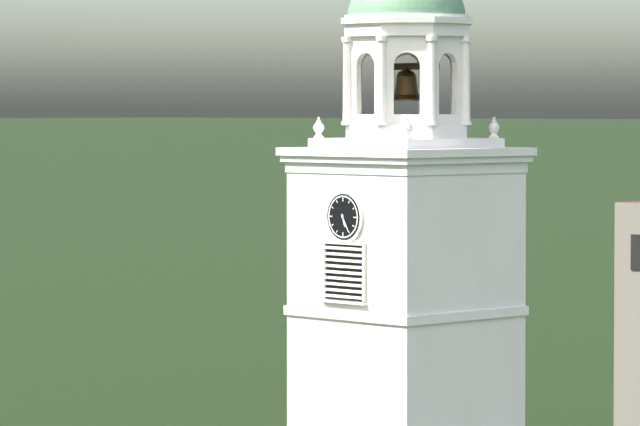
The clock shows 5.25
